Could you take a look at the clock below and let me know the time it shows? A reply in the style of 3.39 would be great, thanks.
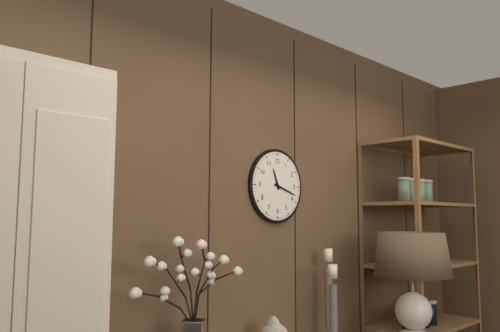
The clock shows 11.18
